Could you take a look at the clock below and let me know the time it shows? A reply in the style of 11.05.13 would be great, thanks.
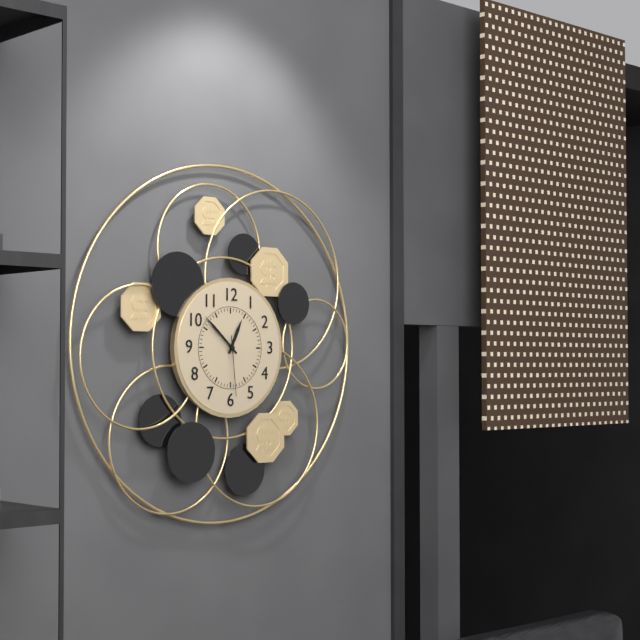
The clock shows 12.52.29
